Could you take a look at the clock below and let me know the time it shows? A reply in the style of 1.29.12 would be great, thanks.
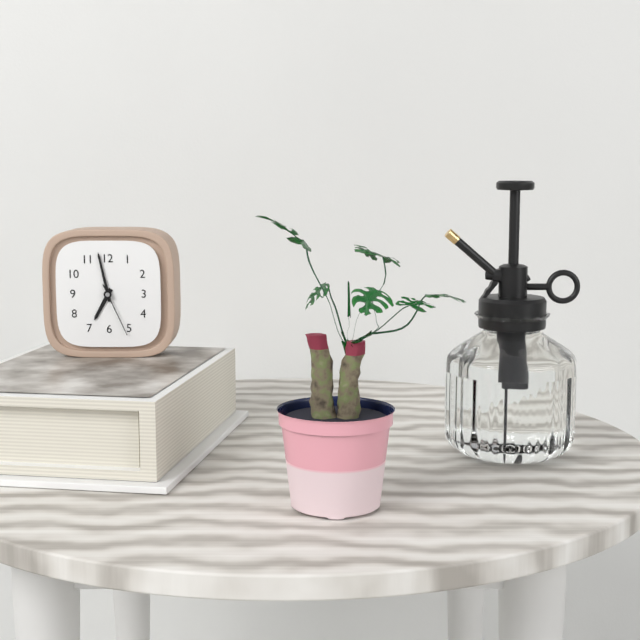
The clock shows 6.58.26
